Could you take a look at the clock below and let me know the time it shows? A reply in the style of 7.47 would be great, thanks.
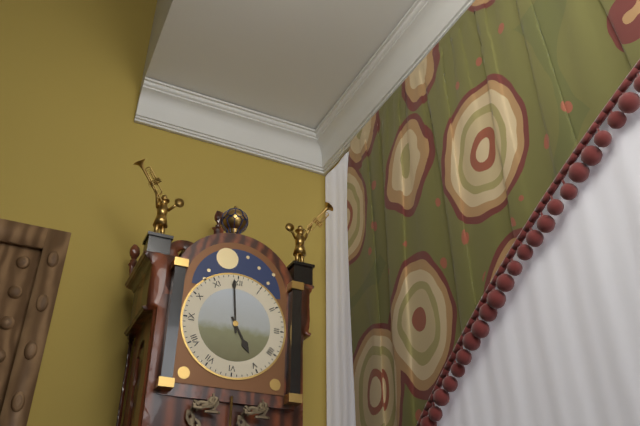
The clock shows 4.59
